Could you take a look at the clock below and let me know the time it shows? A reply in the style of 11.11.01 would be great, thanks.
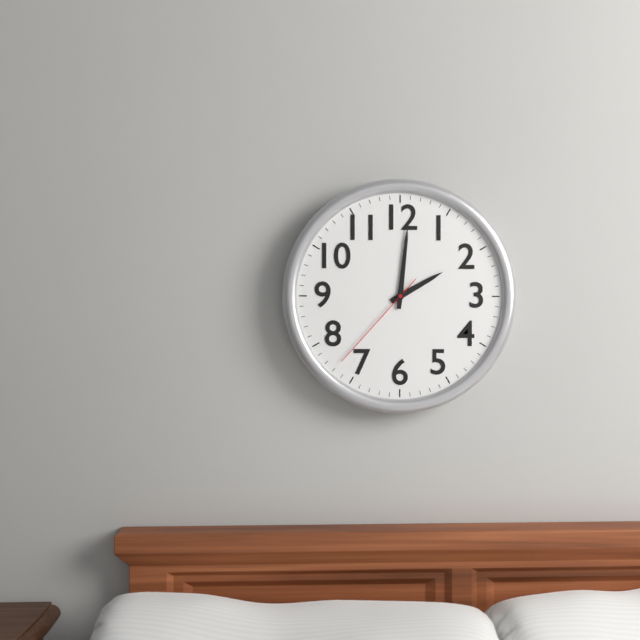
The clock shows 2.01.37
